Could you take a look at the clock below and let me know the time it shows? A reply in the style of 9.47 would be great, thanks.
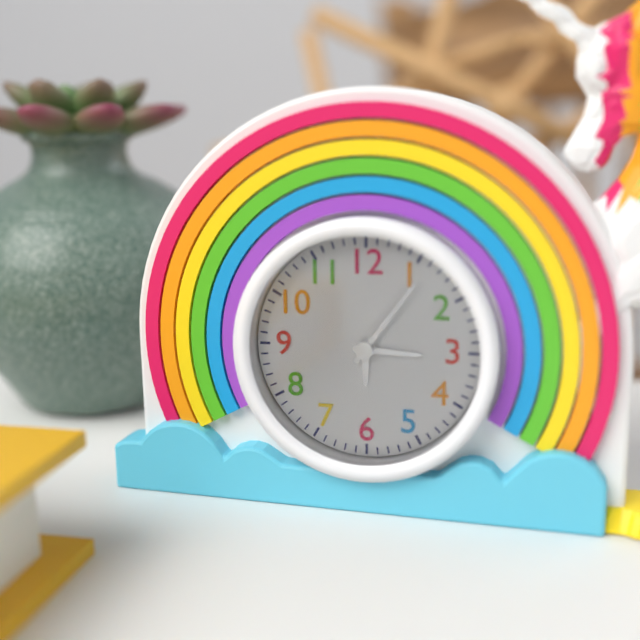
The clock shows 3.06
